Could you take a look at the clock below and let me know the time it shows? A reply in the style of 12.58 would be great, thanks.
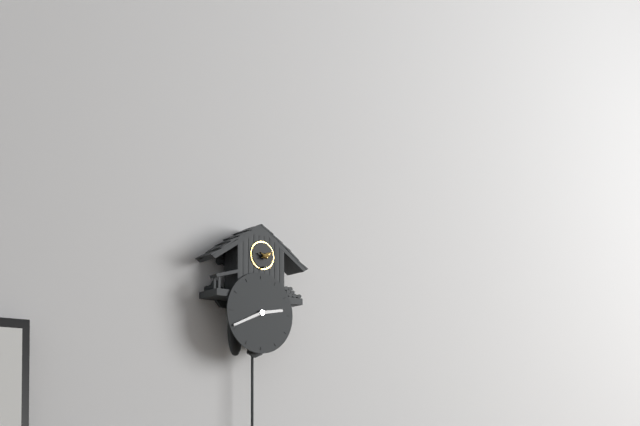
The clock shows 2.41
